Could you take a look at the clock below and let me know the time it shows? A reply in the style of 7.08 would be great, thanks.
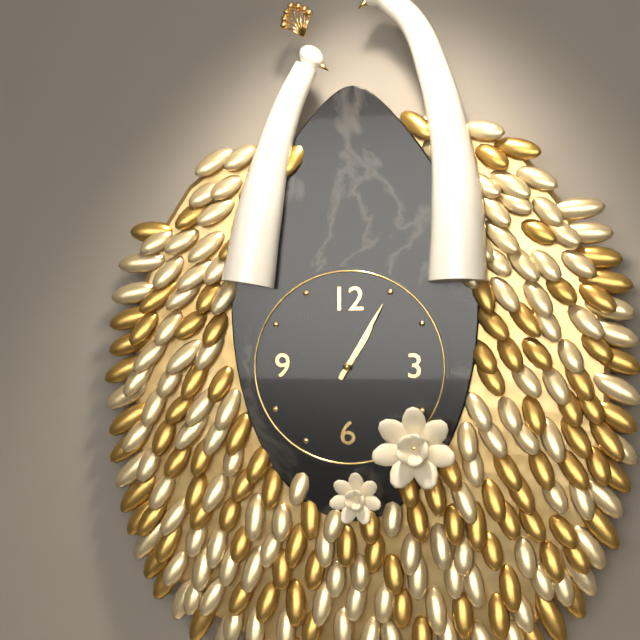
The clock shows 1.05
